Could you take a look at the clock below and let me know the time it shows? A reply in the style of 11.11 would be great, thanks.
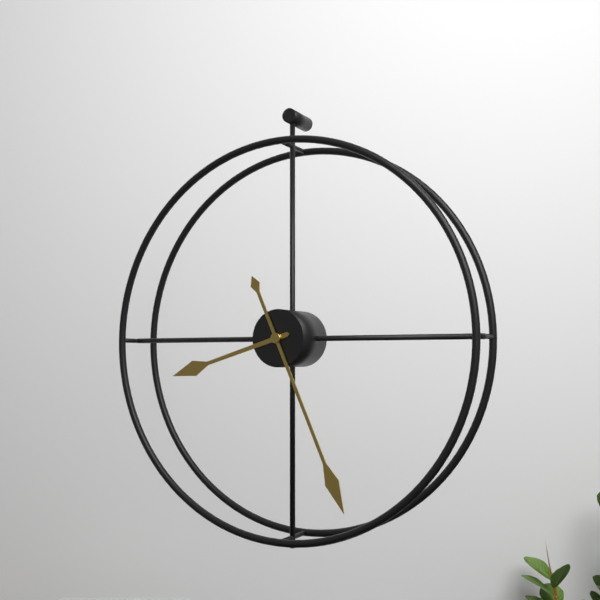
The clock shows 8.26
